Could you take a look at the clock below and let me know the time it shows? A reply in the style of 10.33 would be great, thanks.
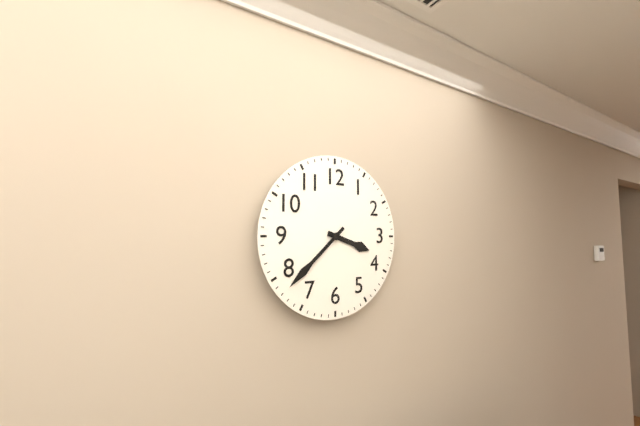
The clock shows 3.38
